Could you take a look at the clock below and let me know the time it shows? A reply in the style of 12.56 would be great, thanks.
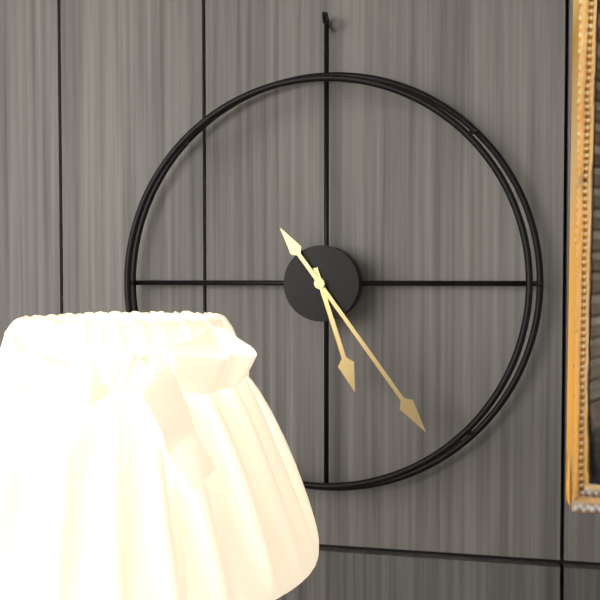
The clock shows 5.24
